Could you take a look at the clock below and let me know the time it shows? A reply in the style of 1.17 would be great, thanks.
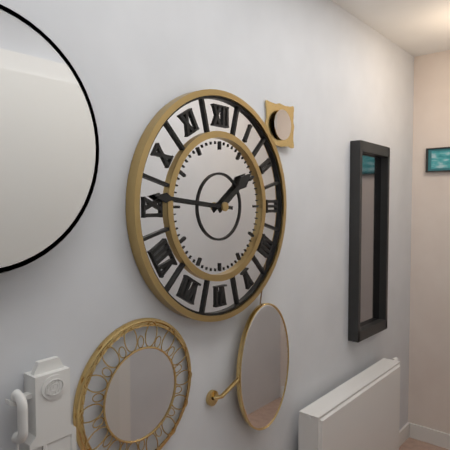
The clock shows 1.46
